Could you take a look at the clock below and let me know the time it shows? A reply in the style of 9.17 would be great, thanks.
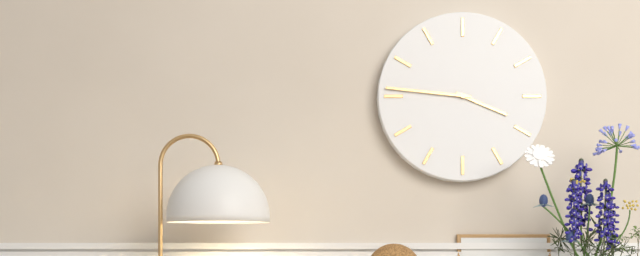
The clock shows 3.46
